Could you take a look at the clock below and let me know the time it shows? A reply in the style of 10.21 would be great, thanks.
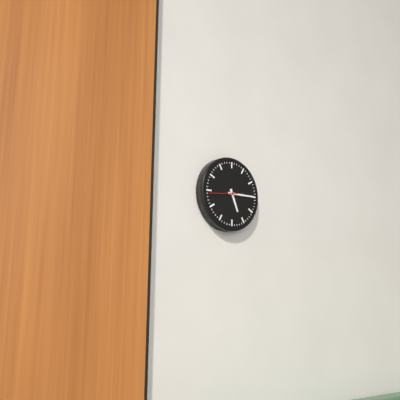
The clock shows 5.15
